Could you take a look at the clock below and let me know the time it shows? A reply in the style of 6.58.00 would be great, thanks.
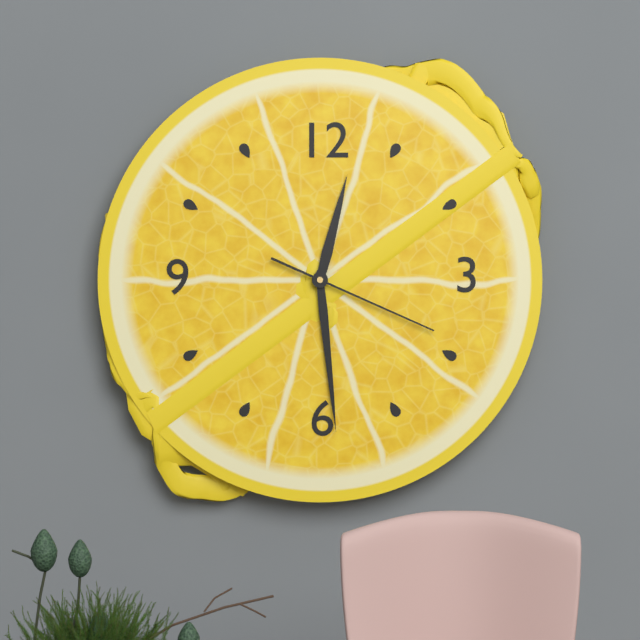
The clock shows 12.29.19
